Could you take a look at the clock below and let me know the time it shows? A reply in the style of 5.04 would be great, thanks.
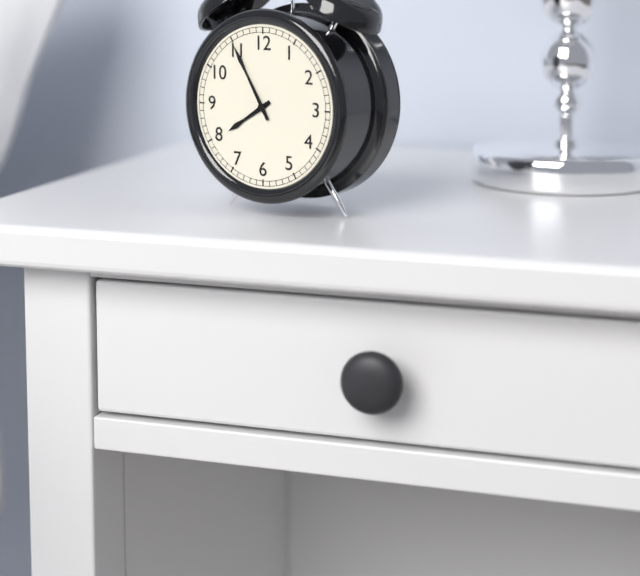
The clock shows 7.55
